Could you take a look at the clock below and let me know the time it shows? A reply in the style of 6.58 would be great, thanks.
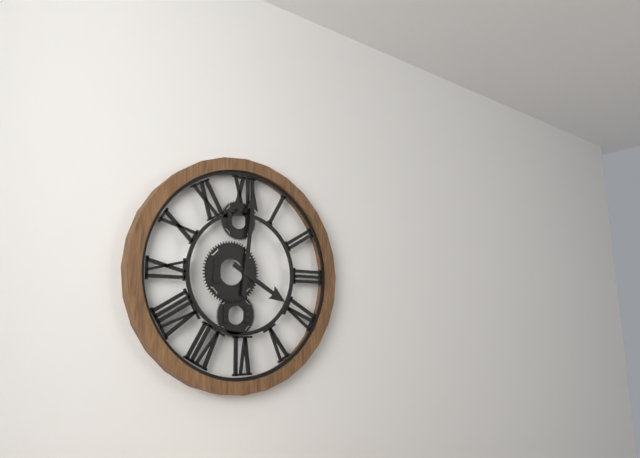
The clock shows 4.01
